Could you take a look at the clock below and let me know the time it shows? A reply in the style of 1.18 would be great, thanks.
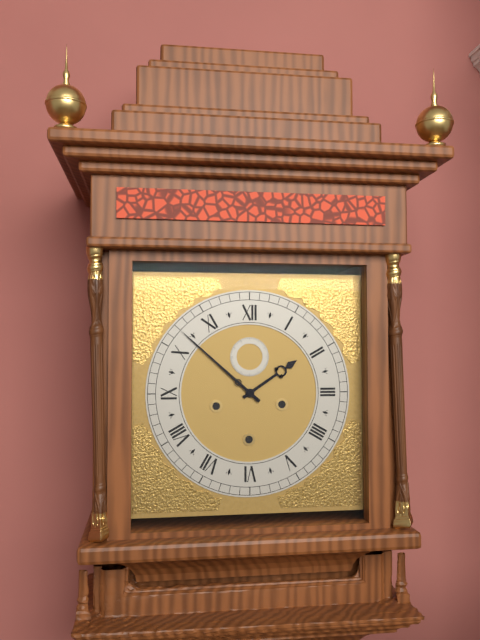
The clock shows 1.52
